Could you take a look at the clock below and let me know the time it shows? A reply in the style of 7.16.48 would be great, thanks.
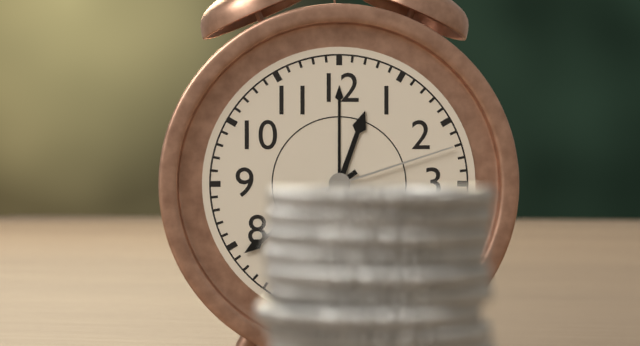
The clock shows 12.39.12
